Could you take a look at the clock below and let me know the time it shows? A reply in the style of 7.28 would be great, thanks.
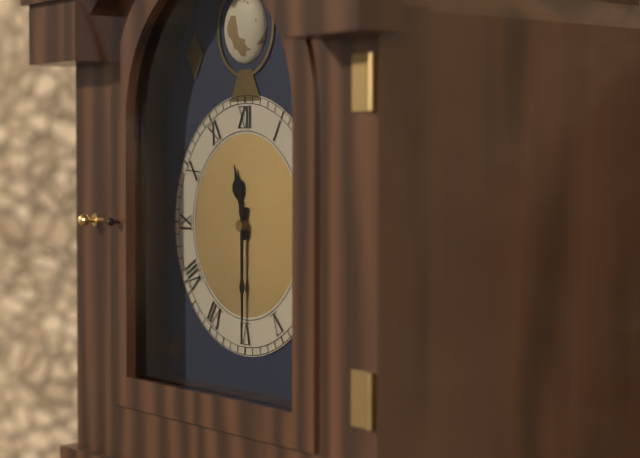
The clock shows 11.30
